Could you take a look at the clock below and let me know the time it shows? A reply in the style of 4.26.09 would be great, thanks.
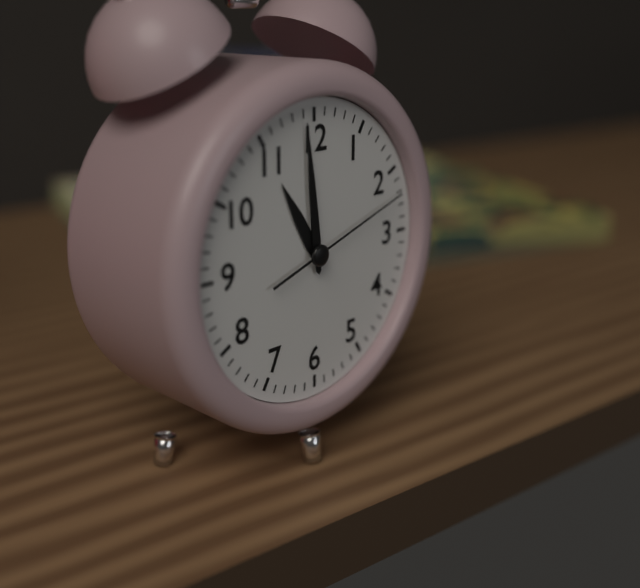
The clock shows 10.59.12
